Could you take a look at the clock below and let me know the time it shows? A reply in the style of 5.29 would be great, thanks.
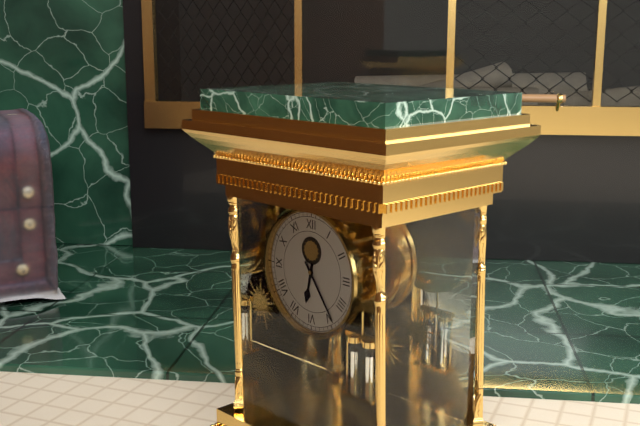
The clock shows 6.24
